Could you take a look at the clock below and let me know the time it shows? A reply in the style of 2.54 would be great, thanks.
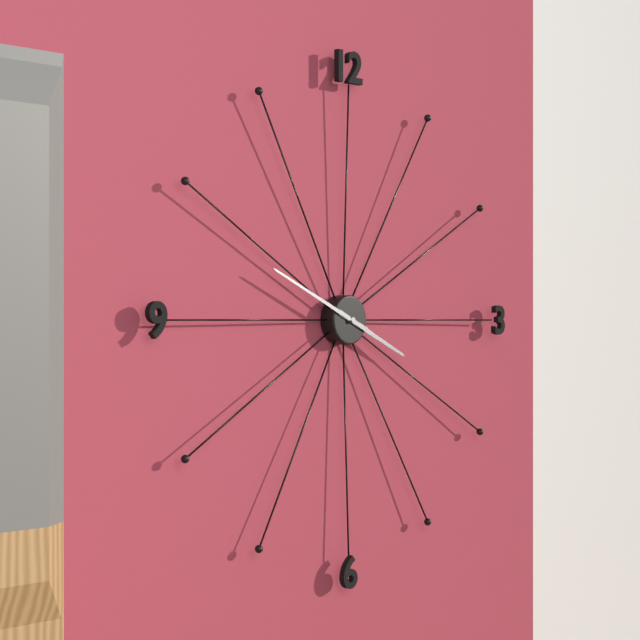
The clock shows 3.49
